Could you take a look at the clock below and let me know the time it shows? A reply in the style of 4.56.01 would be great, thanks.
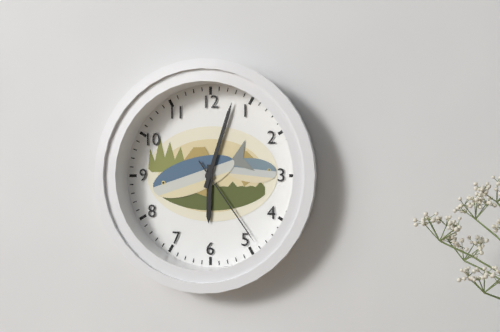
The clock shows 6.03.24
